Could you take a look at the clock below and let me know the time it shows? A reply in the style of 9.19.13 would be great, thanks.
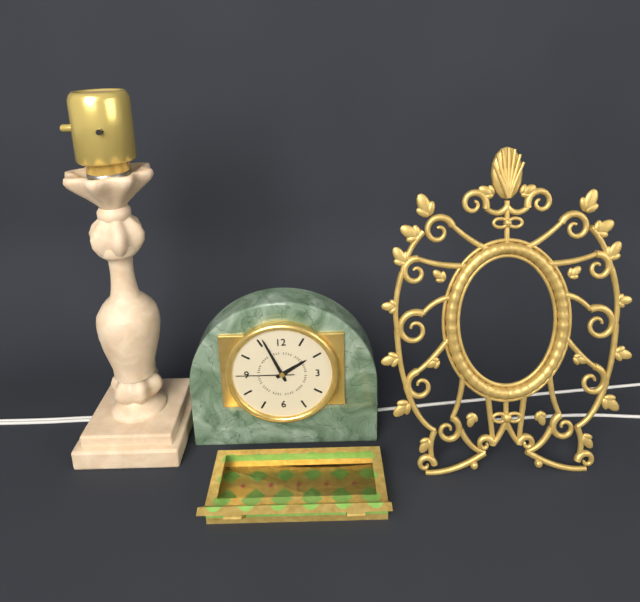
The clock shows 1.56.45
